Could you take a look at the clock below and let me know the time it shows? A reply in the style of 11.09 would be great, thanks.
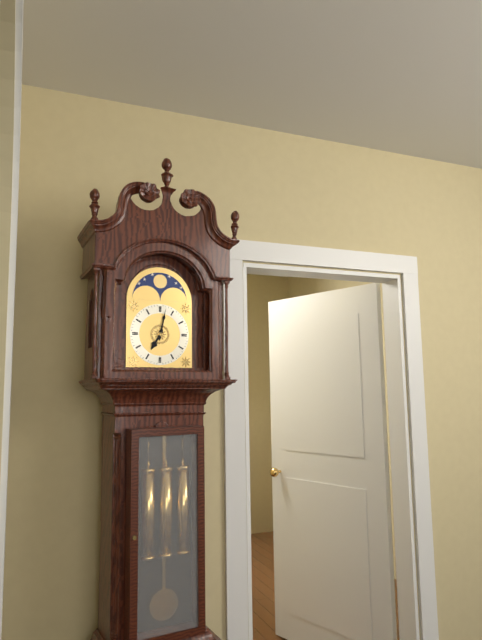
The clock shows 7.02
